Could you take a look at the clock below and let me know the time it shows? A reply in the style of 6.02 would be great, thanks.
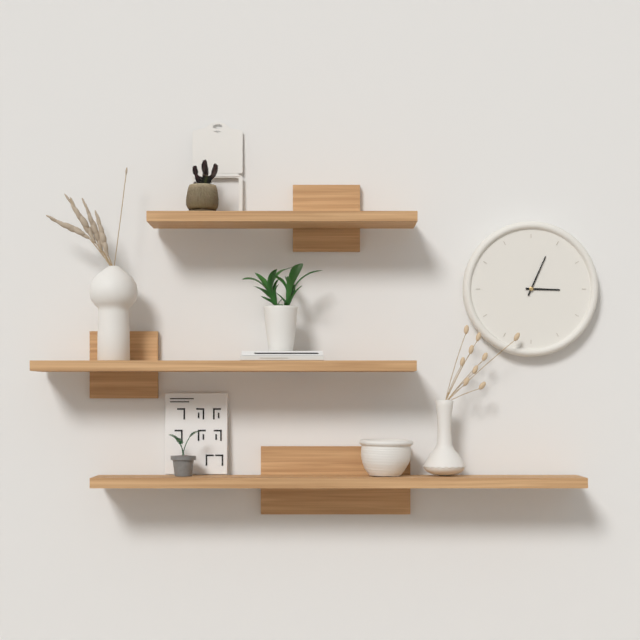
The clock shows 3.04
